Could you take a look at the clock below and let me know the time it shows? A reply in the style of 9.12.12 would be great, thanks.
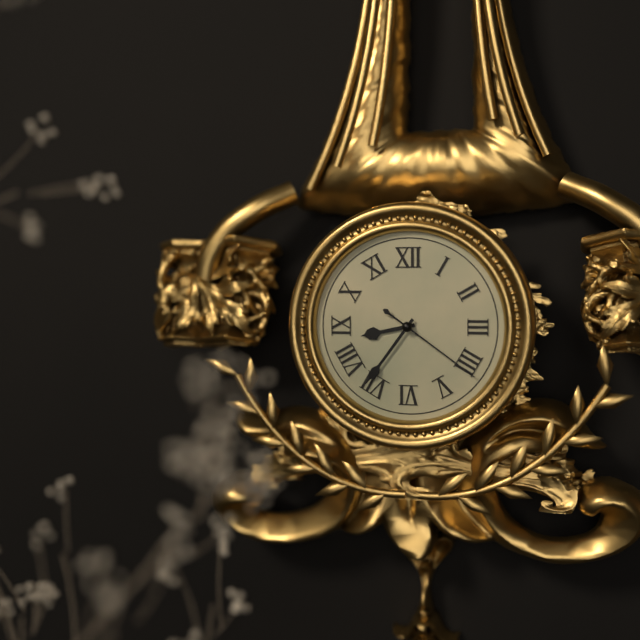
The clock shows 8.36.21
